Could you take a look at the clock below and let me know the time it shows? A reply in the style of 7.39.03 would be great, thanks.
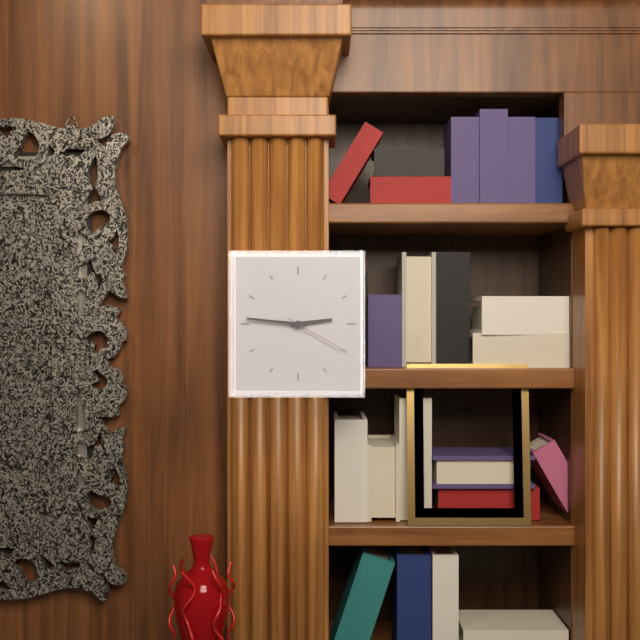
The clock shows 2.46.20
